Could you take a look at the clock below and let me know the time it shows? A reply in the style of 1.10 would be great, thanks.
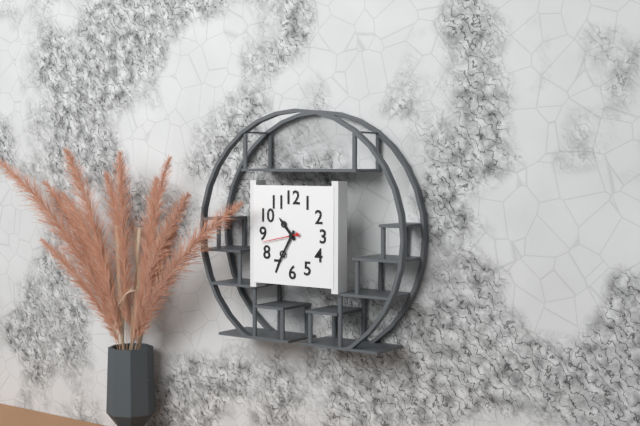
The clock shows 10.35
